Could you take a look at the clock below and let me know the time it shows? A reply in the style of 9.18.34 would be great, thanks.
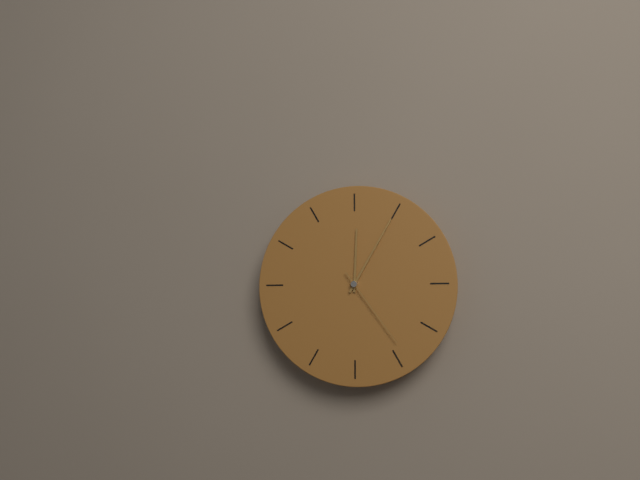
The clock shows 12.05.24
